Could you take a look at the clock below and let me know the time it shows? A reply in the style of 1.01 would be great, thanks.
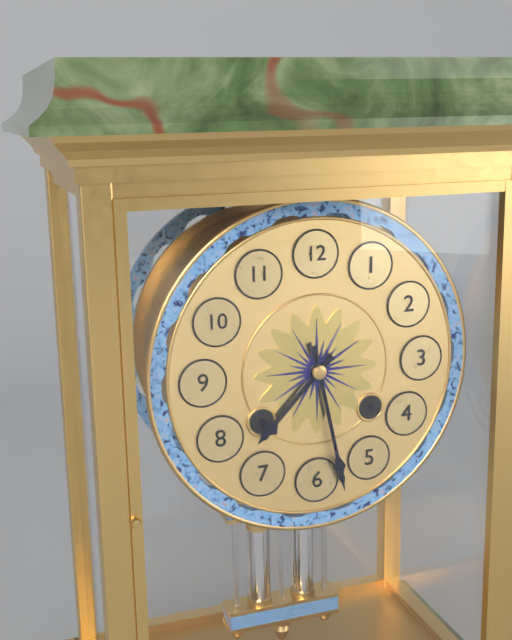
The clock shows 7.28
